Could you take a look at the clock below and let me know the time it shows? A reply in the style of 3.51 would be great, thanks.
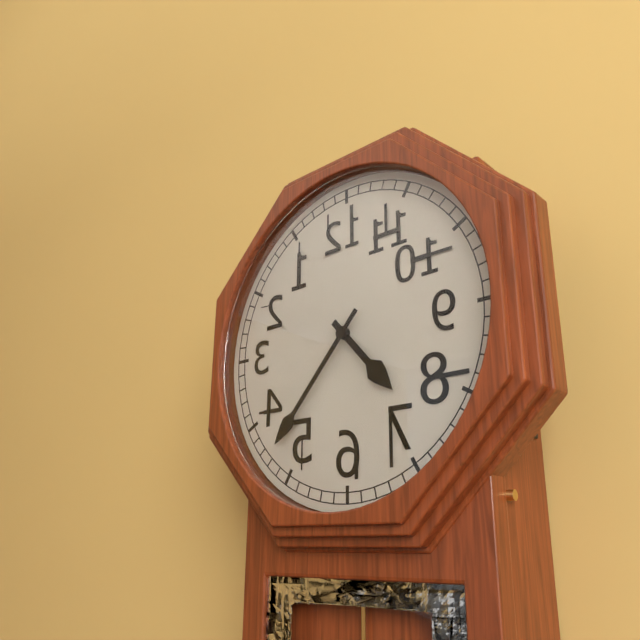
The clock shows 4.37
